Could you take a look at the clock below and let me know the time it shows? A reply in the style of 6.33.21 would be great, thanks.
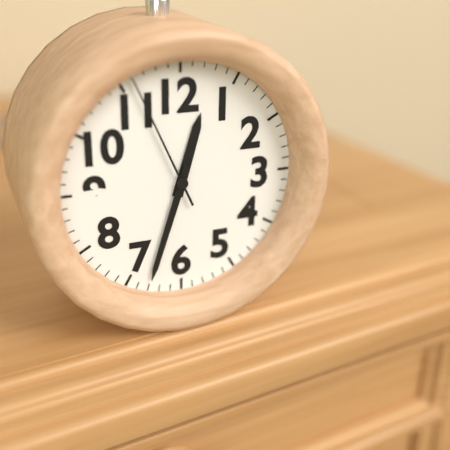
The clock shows 12.33.56
